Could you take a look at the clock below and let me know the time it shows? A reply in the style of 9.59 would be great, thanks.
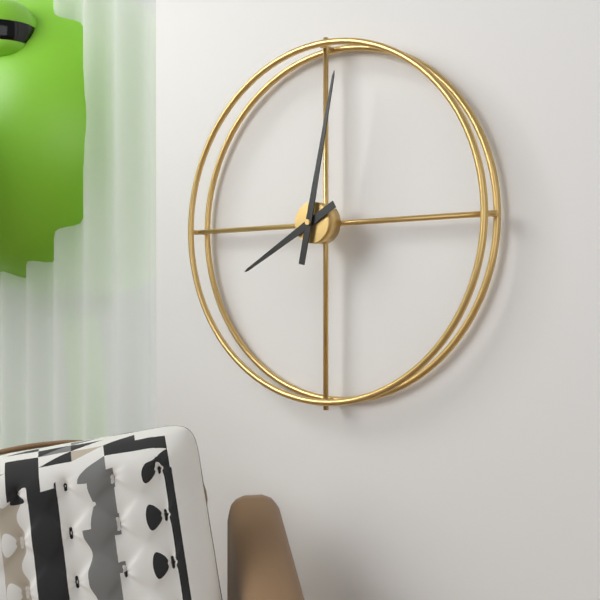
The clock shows 8.02
